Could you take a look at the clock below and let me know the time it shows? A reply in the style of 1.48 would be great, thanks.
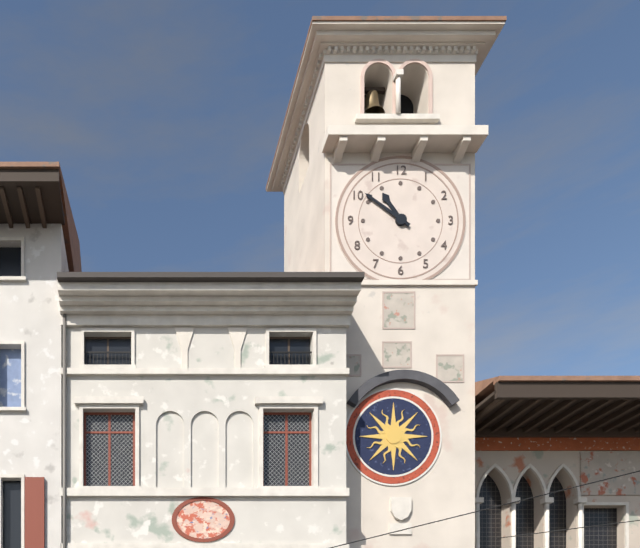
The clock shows 10.51
